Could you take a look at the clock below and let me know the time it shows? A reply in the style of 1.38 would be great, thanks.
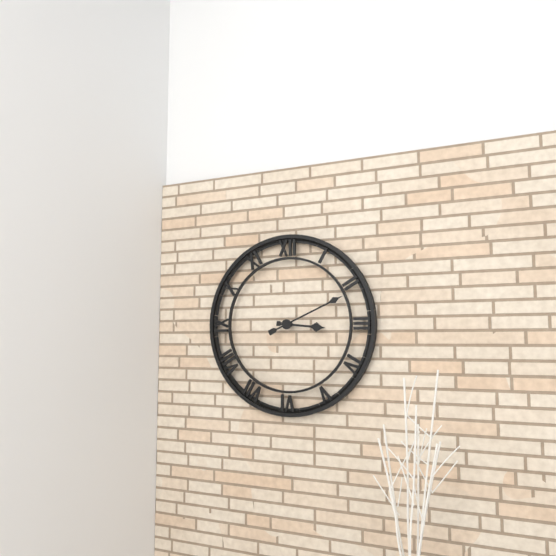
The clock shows 3.11
